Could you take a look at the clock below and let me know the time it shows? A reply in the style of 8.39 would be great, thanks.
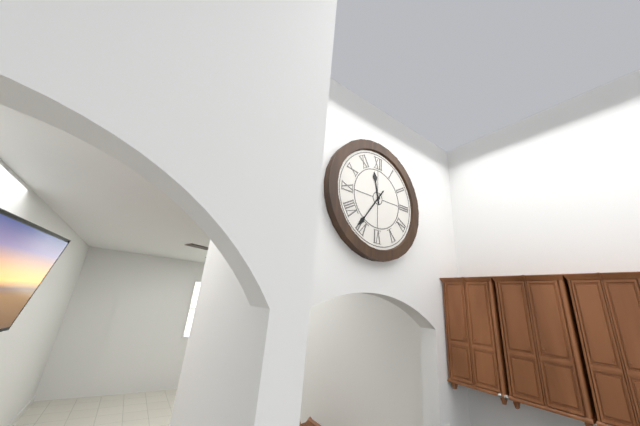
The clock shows 11.36
